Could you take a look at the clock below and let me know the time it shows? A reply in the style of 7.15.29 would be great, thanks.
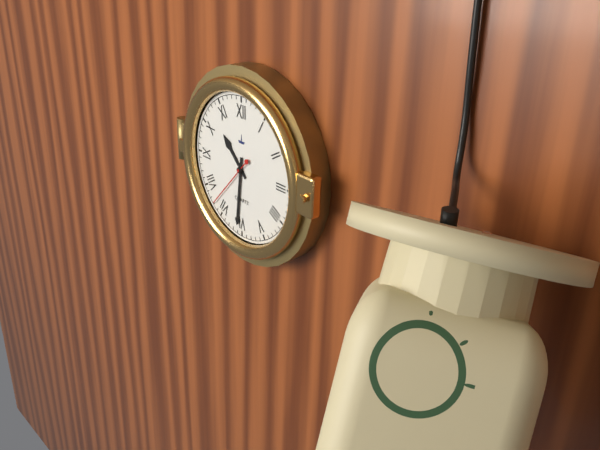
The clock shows 10.31.37
